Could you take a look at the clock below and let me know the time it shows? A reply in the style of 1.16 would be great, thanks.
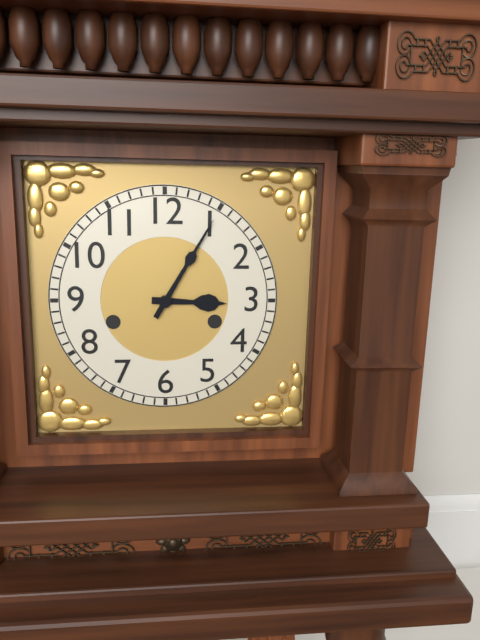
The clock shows 3.05
